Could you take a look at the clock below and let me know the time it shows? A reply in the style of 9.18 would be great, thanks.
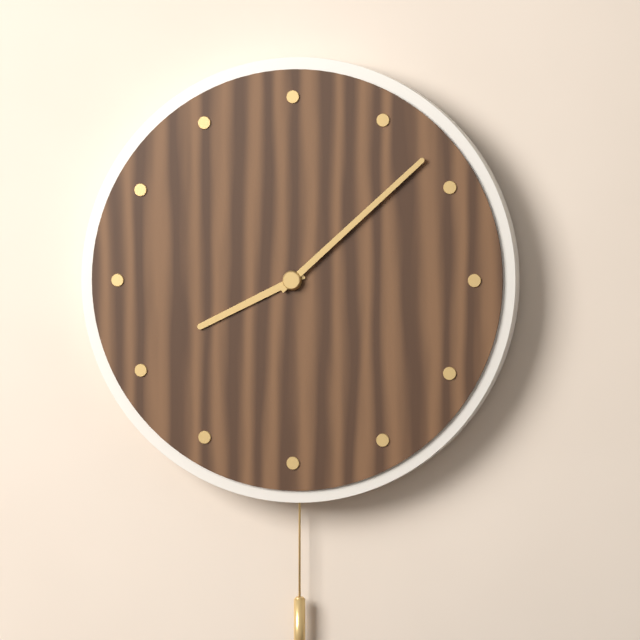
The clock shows 8.08
